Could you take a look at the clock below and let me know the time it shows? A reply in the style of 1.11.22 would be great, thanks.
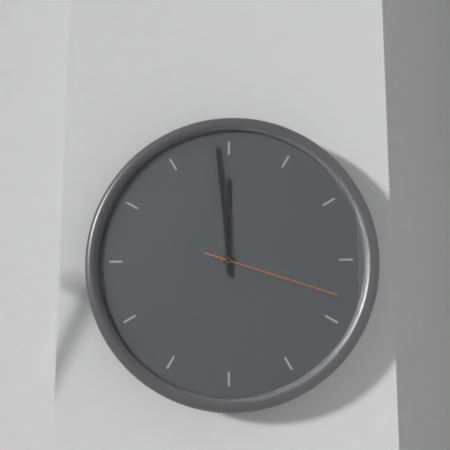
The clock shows 11.59.18
